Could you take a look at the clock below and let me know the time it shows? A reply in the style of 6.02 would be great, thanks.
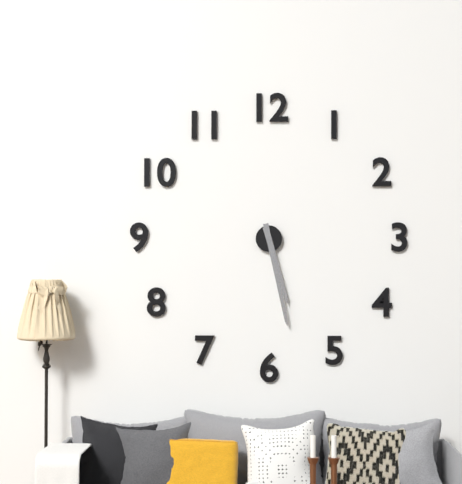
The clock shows 5.28
